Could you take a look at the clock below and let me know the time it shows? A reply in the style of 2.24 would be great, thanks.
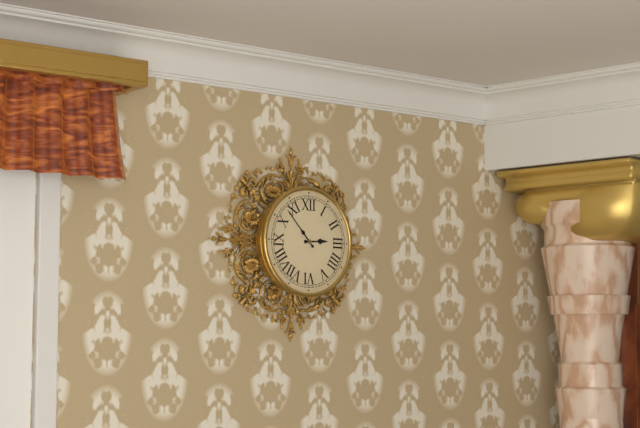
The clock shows 2.53
